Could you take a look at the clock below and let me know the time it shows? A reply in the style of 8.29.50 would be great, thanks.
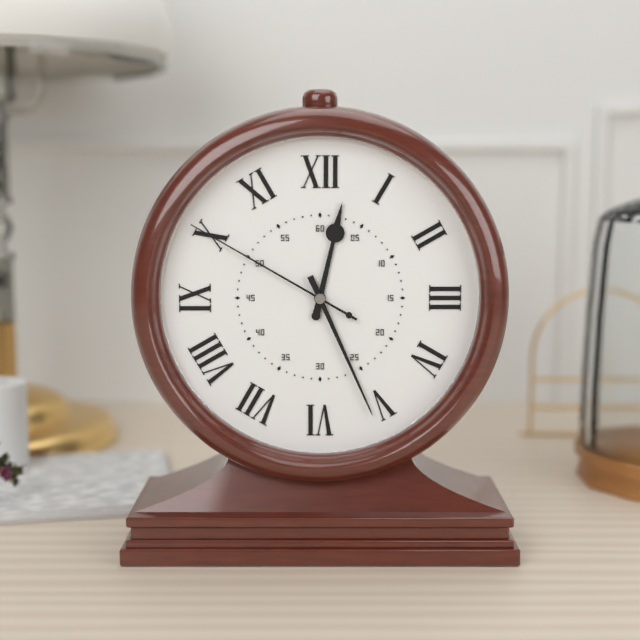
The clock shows 12.26.50
